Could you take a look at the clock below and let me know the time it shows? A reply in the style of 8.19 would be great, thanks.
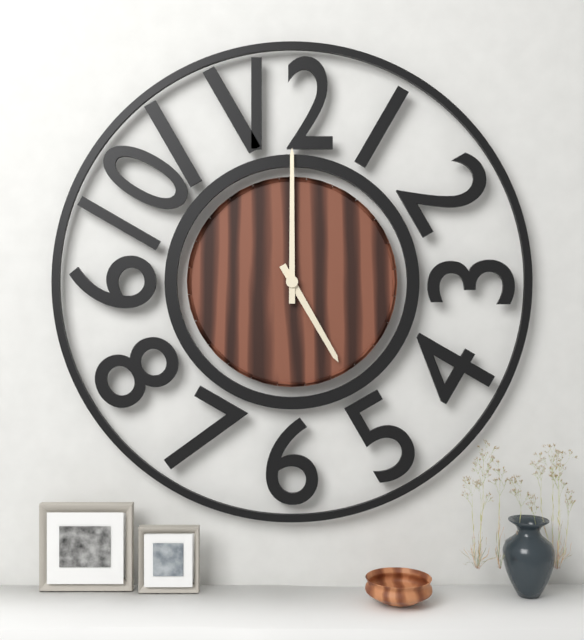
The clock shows 5.00
